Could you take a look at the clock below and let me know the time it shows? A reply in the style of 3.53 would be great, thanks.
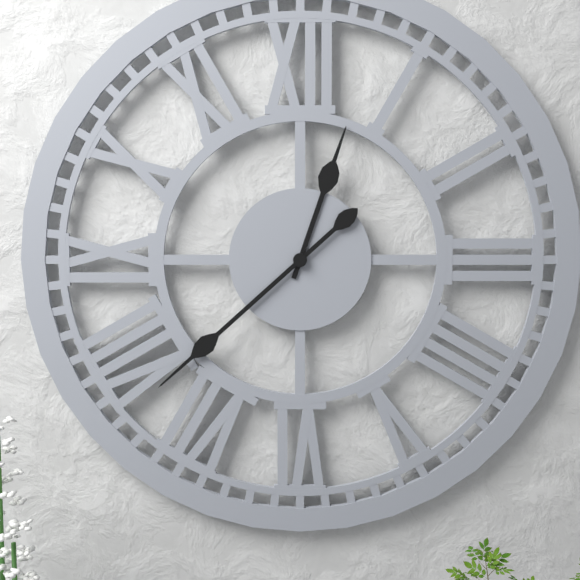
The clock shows 12.38
